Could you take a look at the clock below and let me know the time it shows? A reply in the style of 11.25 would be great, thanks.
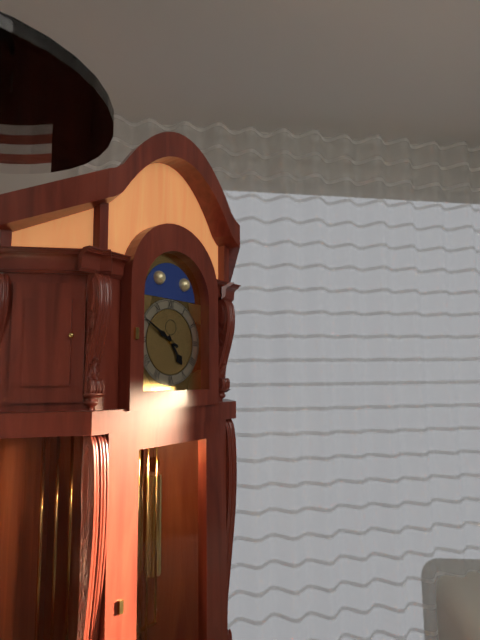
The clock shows 4.50
